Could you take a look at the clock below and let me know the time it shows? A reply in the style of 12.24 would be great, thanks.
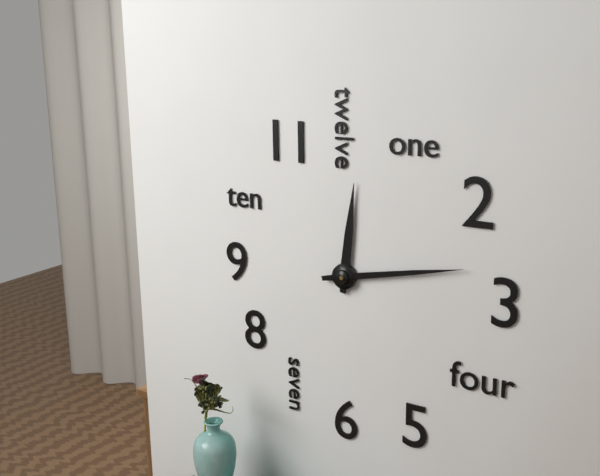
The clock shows 12.13
